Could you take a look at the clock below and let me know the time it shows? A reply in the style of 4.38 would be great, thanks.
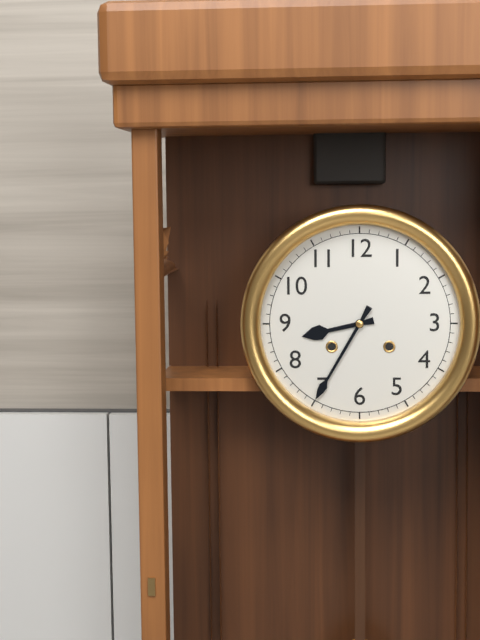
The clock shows 8.35
